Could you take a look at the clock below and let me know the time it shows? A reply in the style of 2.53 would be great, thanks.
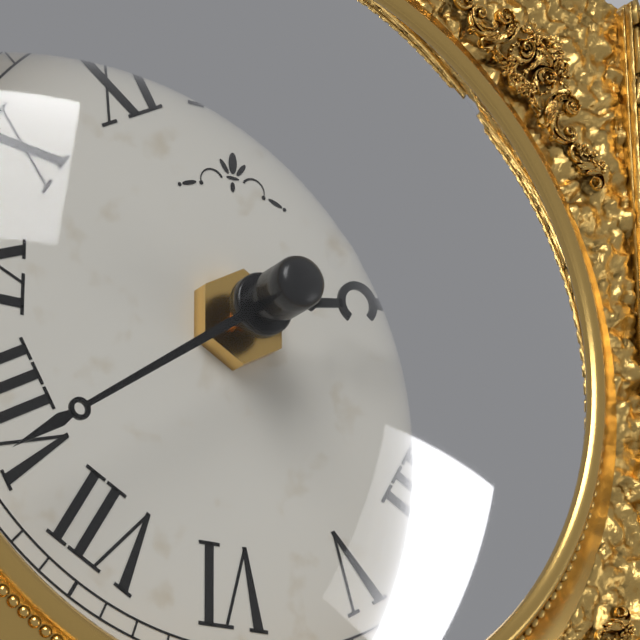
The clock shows 2.39
